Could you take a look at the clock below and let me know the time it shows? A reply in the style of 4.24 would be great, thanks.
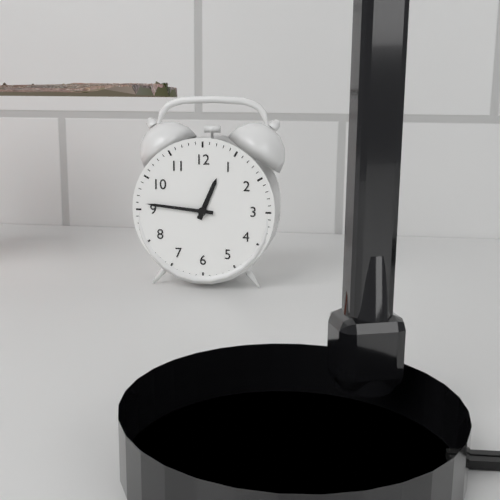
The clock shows 12.46
